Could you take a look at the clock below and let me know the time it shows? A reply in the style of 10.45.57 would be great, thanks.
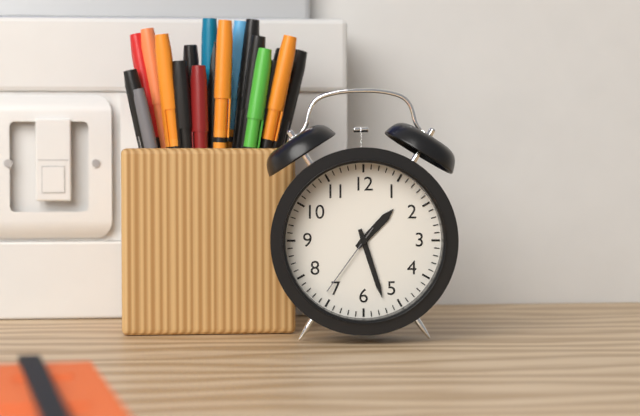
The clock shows 1.27.36
